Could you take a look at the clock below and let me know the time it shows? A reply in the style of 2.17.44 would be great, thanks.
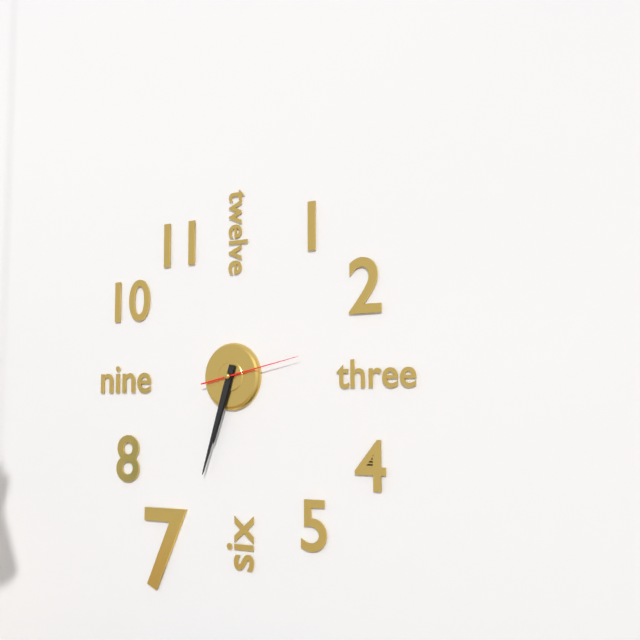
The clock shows 6.33.13
